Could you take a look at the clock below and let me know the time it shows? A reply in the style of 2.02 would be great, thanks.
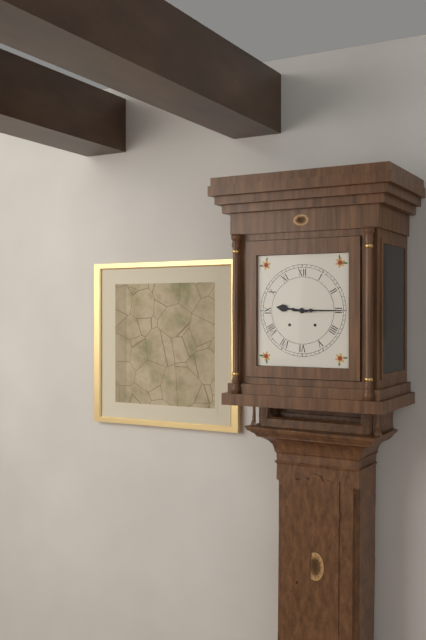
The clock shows 9.15
